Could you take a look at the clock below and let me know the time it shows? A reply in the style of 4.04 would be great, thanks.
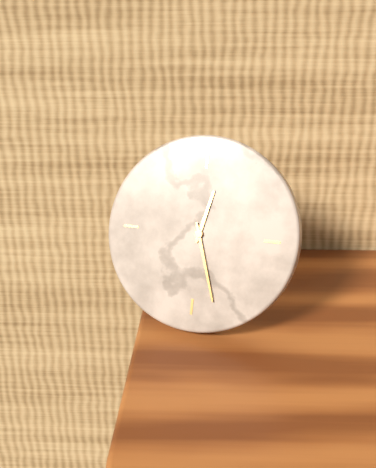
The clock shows 12.27
